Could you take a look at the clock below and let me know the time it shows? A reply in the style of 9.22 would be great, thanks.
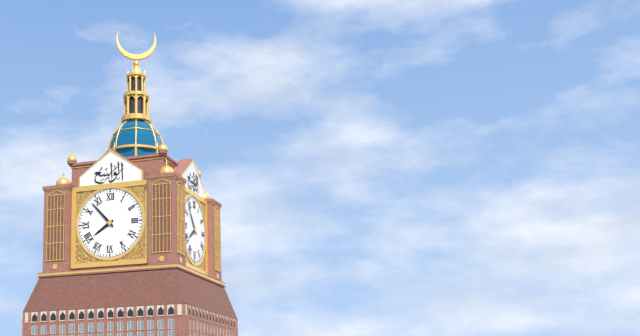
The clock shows 7.53
